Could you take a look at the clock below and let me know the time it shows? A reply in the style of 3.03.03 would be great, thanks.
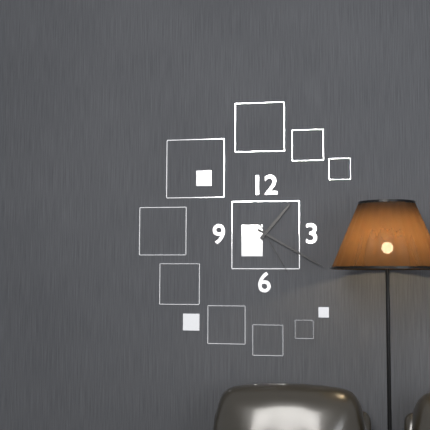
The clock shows 1.20.25
